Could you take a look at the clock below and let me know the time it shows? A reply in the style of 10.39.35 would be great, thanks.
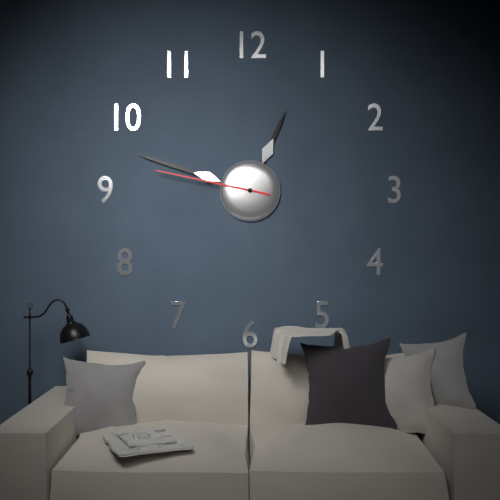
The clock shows 12.48.47
